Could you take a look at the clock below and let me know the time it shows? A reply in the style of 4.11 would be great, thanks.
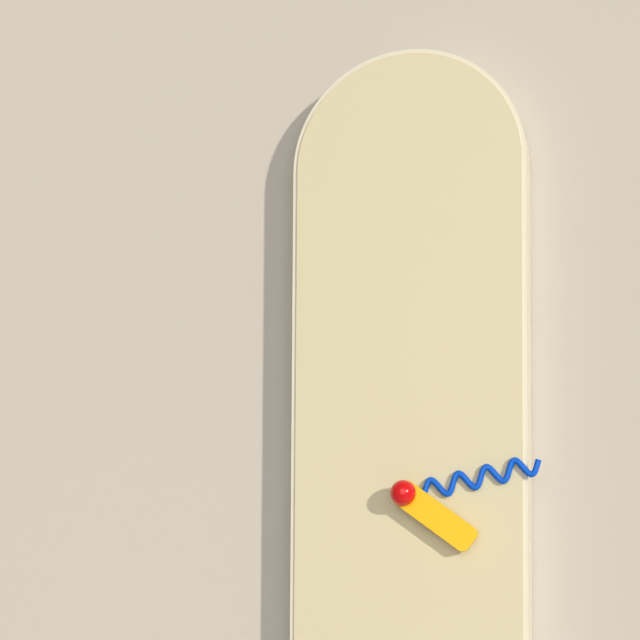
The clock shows 4.13
